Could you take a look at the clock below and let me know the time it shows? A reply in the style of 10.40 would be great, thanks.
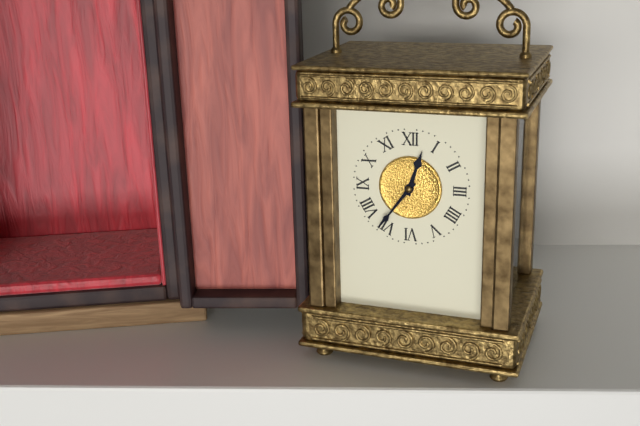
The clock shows 12.36
